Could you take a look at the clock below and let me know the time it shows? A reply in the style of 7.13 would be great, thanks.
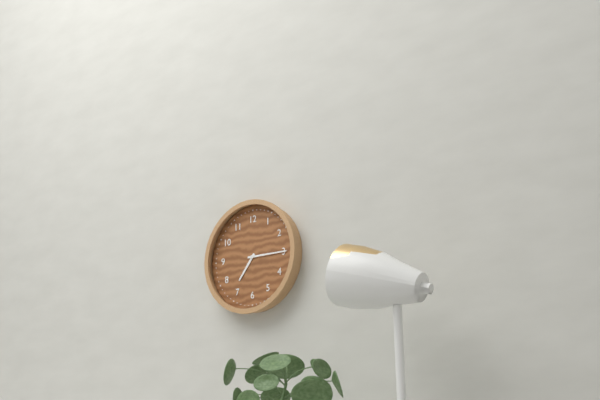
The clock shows 7.15
